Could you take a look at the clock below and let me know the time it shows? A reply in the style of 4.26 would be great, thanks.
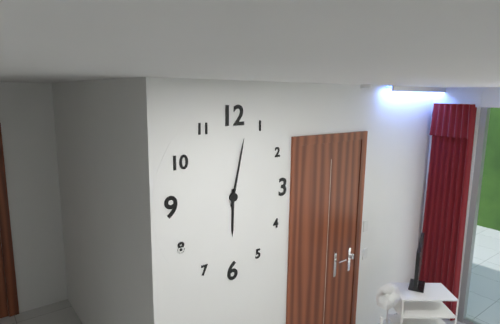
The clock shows 6.02
